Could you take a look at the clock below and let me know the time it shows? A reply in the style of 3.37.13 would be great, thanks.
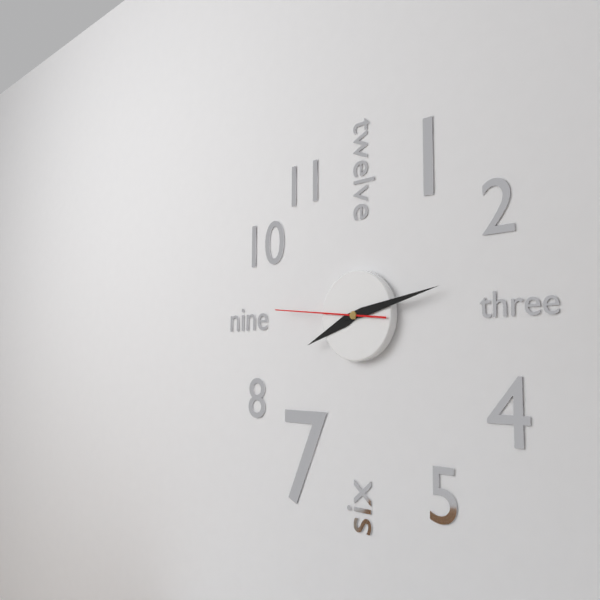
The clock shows 8.13.46
